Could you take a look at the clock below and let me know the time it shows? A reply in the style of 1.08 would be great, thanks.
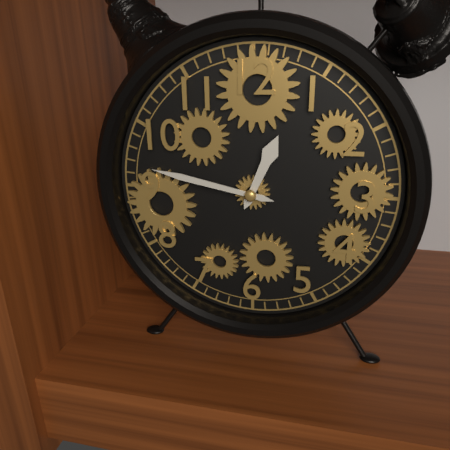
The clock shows 12.47
